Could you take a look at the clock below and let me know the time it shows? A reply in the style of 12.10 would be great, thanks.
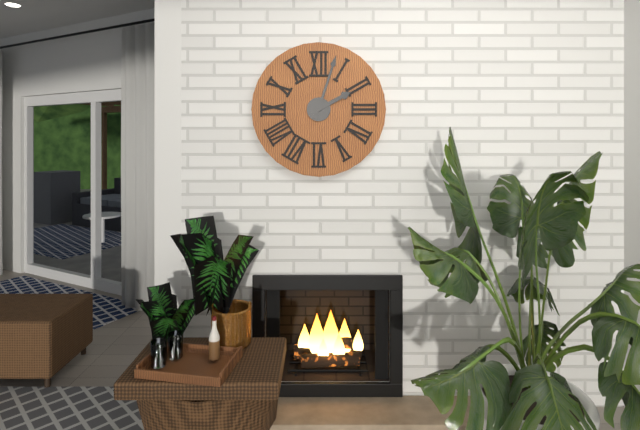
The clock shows 2.03
